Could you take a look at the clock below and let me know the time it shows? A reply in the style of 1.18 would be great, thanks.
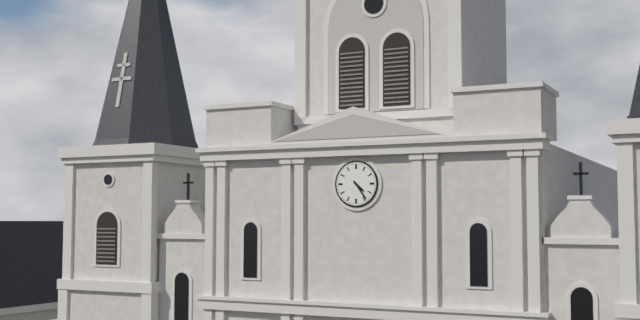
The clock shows 4.24
